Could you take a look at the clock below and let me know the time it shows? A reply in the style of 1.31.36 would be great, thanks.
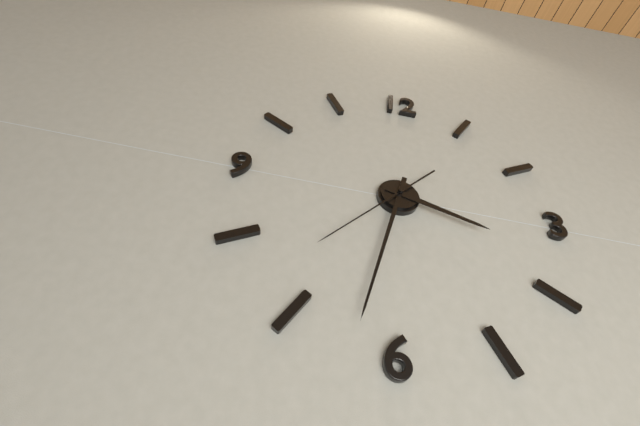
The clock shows 3.32.37
